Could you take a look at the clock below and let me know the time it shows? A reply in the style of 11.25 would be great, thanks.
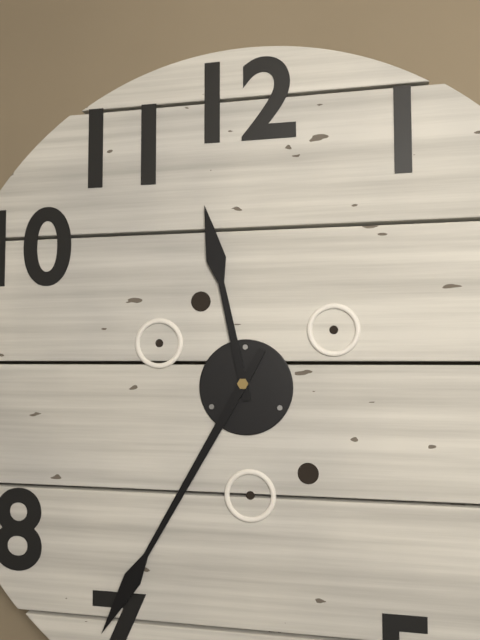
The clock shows 11.35
